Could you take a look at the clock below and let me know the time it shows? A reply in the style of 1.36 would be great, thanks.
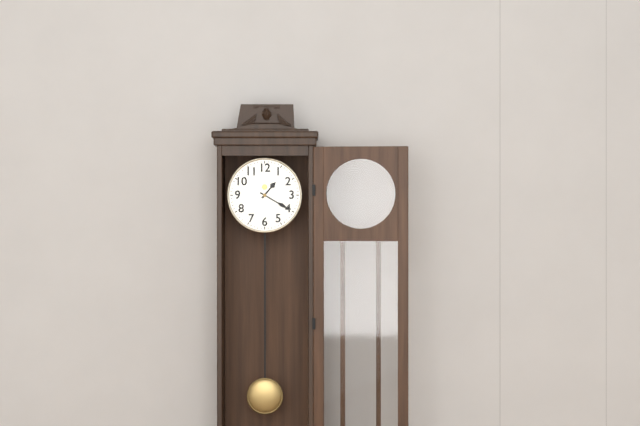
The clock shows 1.20
